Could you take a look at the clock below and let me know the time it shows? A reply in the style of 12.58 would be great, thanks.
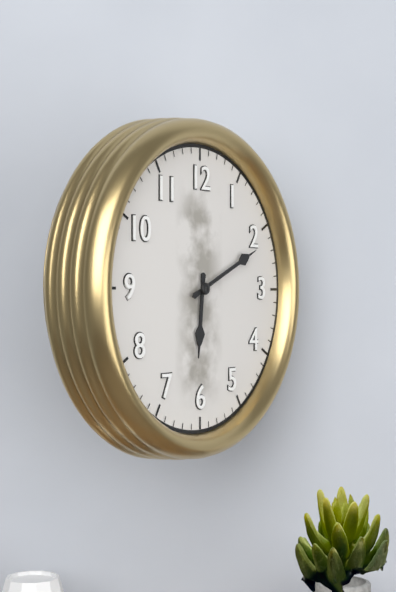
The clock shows 6.11
